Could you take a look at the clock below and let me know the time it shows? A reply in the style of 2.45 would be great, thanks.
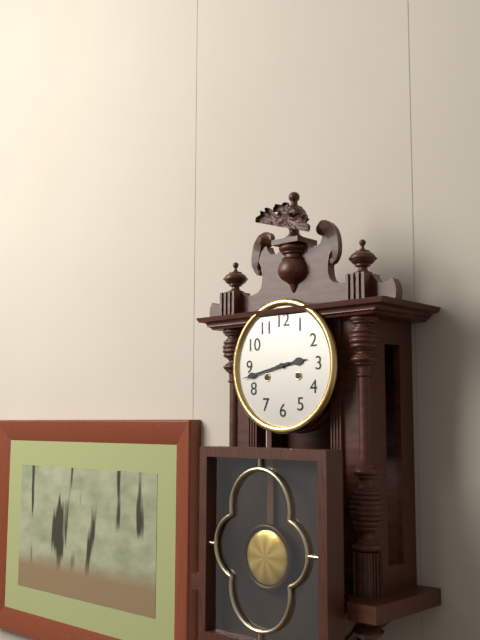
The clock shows 2.43
